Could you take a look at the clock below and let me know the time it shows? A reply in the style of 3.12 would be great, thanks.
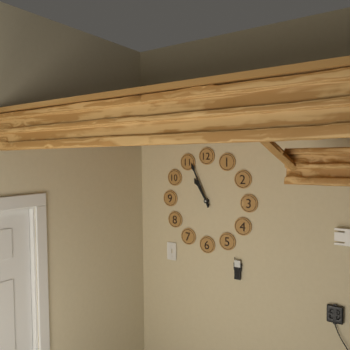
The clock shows 10.56
